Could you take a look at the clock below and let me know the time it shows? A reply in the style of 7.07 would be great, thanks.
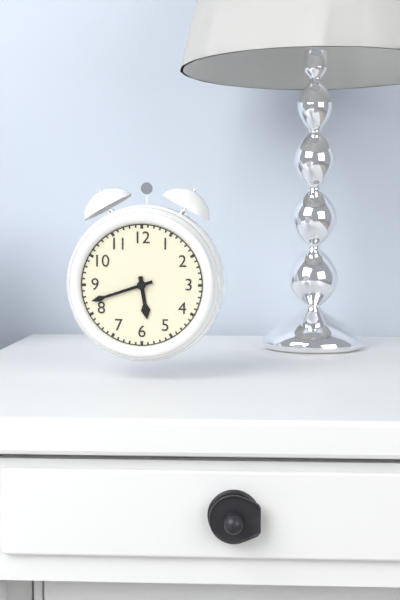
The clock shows 5.42
